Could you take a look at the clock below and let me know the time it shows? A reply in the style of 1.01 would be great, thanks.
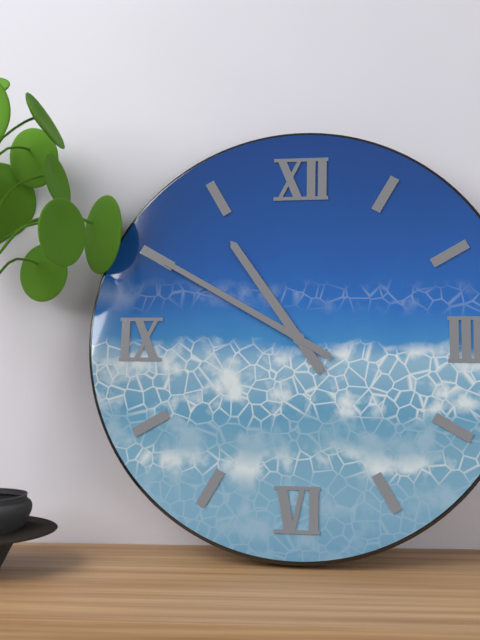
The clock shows 10.50
